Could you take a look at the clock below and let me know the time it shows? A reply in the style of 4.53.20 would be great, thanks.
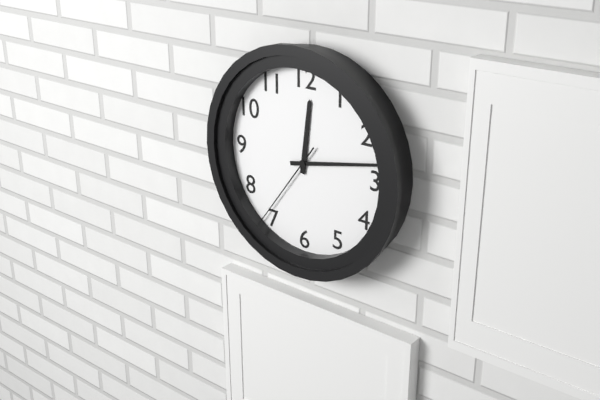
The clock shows 12.13.36
